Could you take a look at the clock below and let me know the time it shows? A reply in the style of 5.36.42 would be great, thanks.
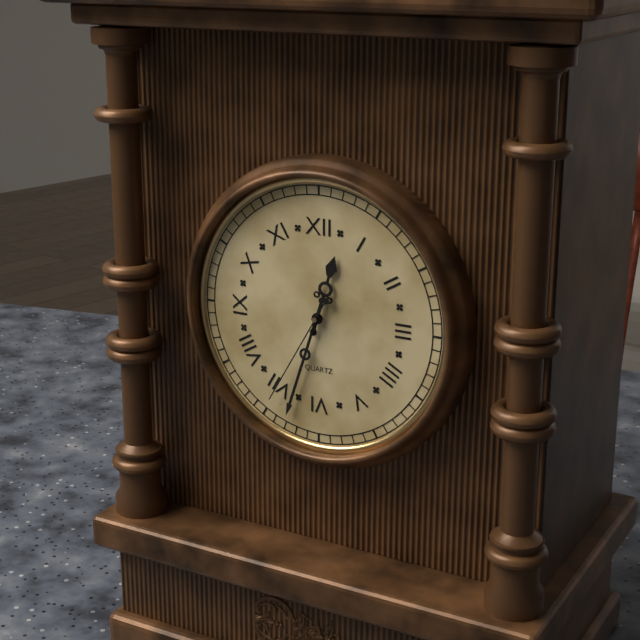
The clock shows 12.33.35
